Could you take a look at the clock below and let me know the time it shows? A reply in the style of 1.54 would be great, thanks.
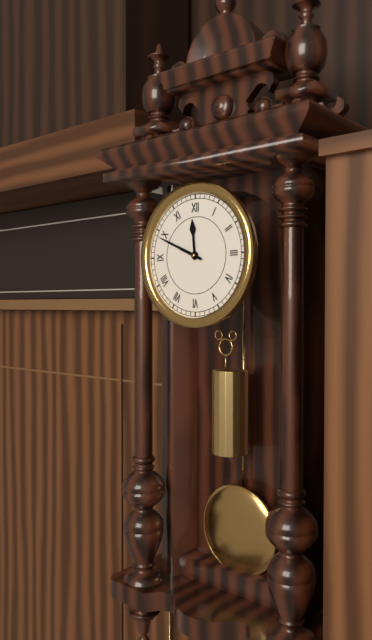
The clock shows 11.49
